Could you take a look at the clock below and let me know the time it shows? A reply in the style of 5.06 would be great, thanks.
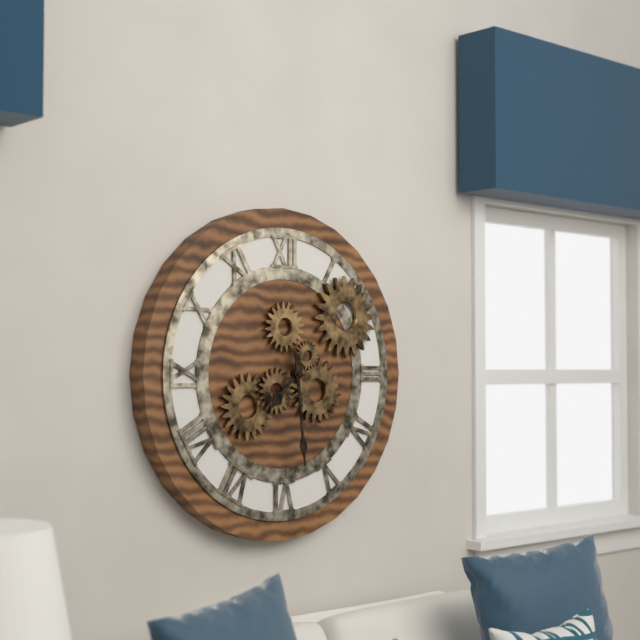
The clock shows 7.29
